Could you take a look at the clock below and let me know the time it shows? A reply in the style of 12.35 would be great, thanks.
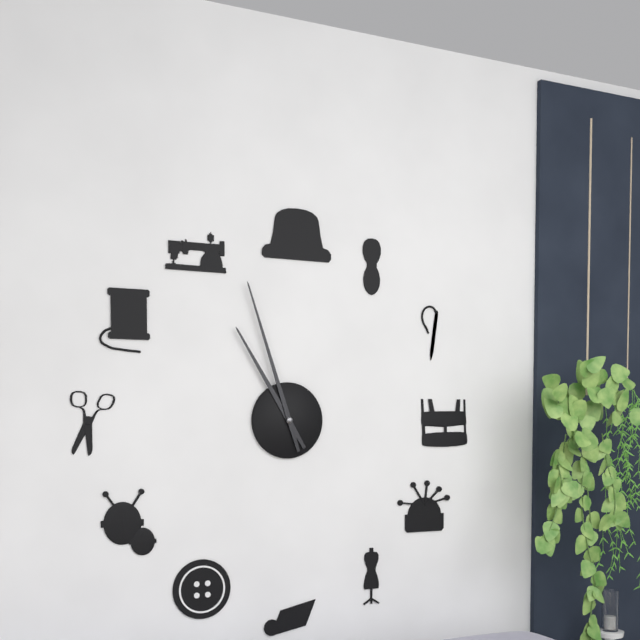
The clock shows 10.57
